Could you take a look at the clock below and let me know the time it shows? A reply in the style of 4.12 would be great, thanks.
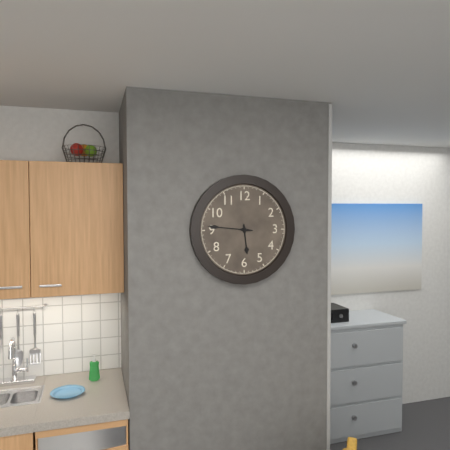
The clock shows 5.46
